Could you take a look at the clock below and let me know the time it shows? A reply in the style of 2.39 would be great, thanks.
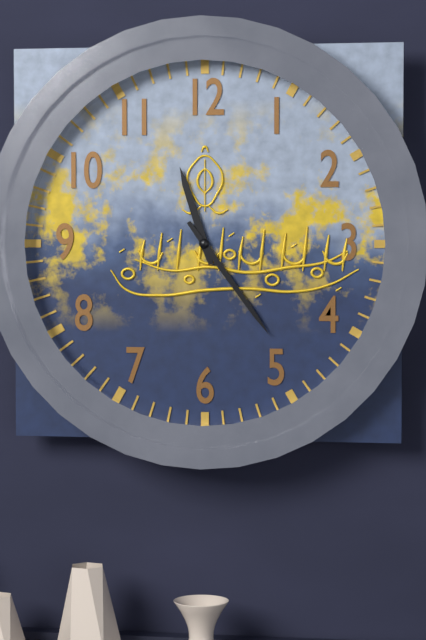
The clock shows 11.24
